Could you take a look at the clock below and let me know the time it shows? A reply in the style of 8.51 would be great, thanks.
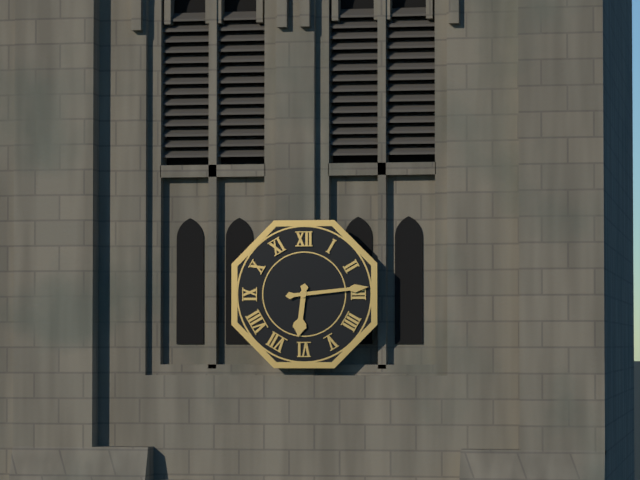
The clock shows 6.14
